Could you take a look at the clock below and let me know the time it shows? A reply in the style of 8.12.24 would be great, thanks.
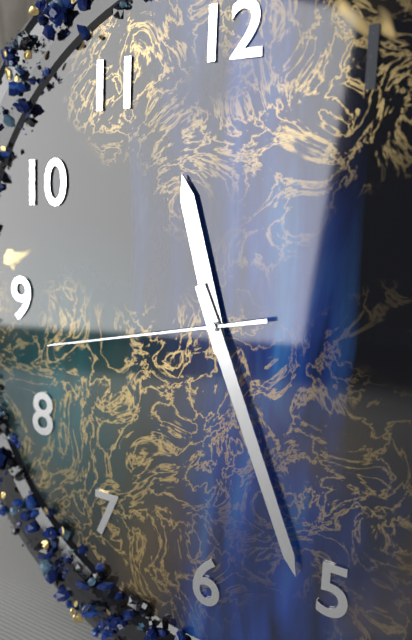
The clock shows 11.26.43
